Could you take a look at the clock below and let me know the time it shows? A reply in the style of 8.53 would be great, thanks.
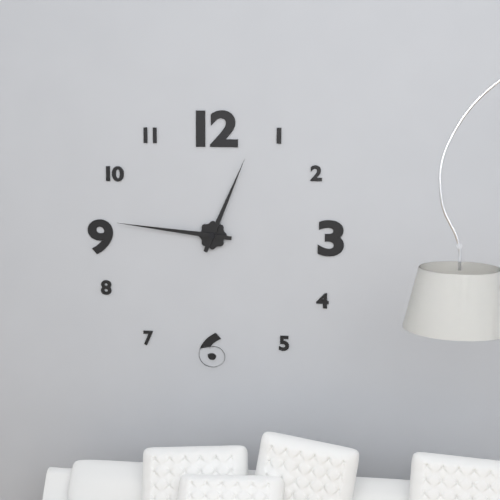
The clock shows 12.46
